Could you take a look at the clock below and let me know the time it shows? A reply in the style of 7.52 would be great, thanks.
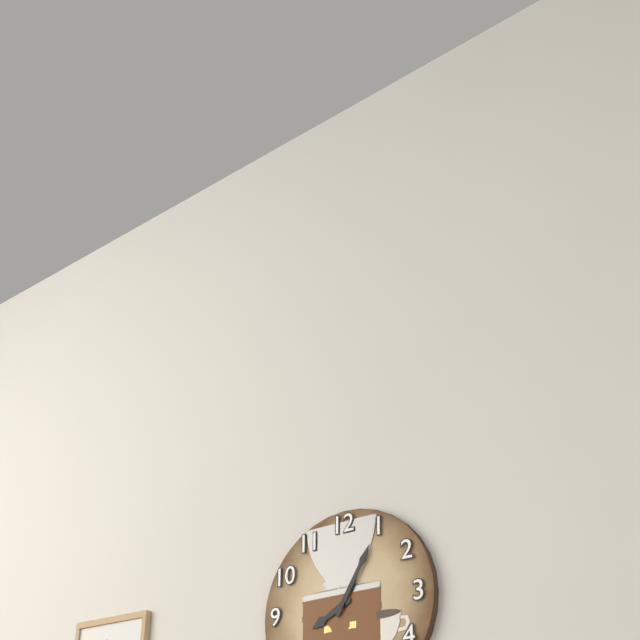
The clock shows 8.05
